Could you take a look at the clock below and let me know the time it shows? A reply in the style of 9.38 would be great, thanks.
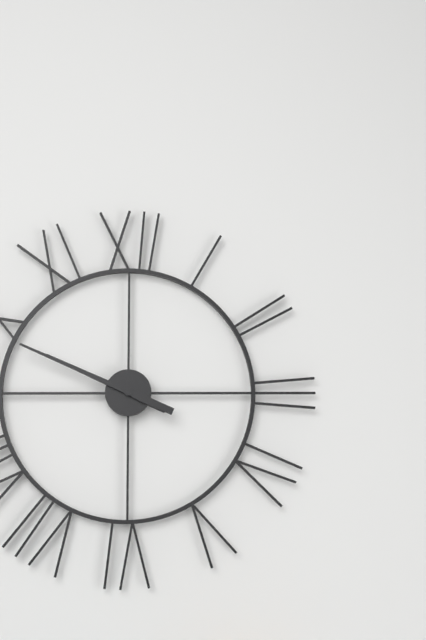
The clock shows 9.49
